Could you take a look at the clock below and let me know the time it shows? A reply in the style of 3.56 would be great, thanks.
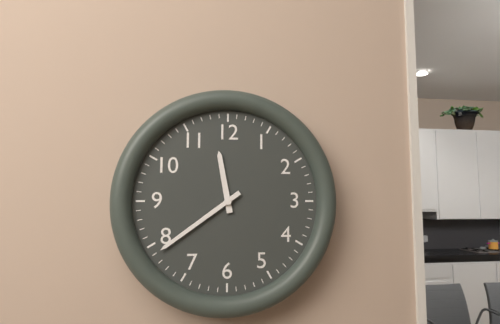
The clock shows 11.39
